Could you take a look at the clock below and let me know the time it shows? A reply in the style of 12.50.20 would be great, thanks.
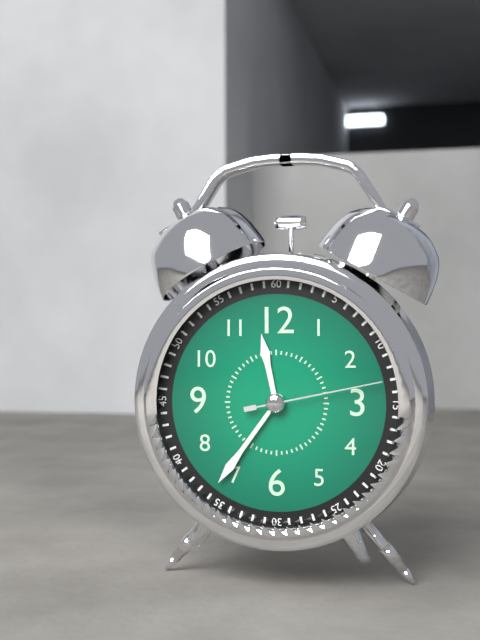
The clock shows 11.36.13
